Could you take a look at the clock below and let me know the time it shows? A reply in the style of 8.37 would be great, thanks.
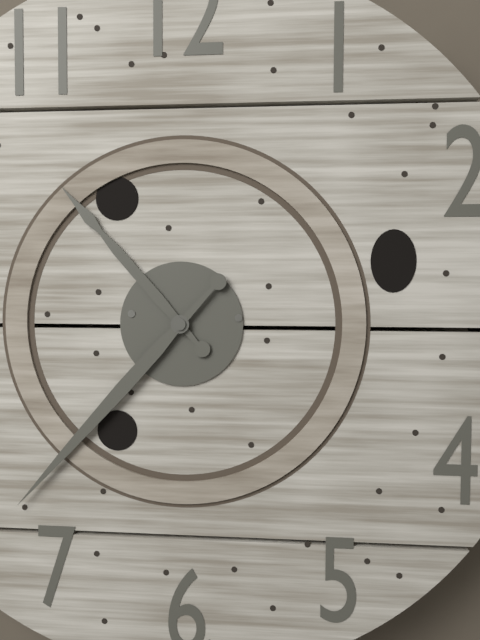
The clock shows 10.37
